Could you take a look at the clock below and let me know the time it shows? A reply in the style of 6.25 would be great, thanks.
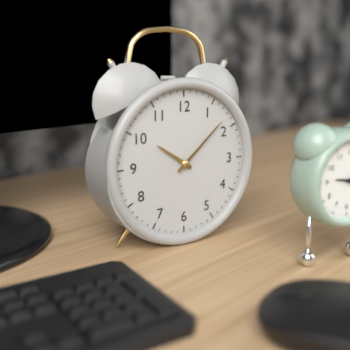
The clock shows 10.08
